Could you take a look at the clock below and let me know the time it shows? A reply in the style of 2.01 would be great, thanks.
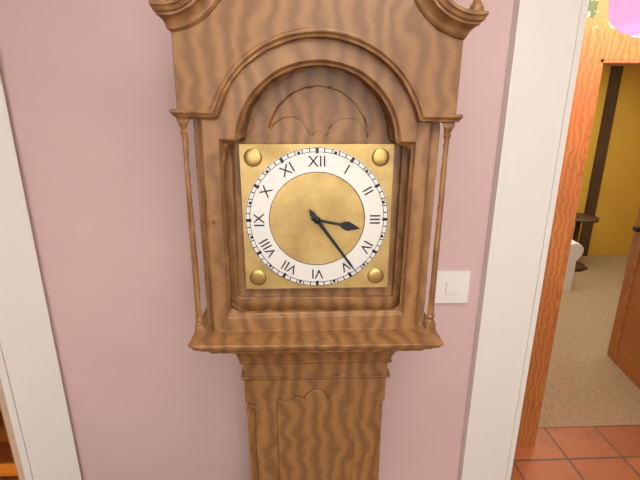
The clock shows 3.24
